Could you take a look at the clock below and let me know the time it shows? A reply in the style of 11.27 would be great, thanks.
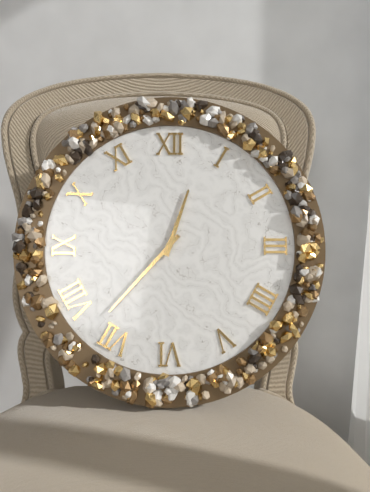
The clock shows 12.37
